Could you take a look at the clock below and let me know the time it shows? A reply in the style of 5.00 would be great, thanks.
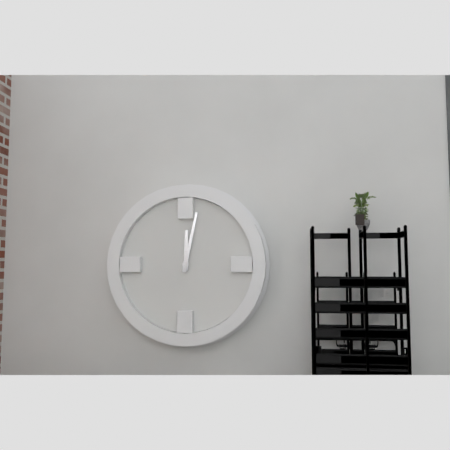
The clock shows 12.02
